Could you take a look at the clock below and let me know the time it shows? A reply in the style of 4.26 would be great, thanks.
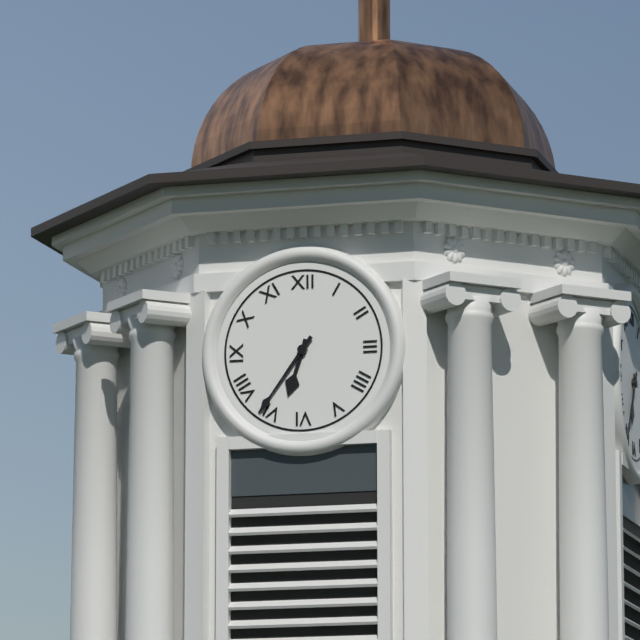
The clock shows 6.36
